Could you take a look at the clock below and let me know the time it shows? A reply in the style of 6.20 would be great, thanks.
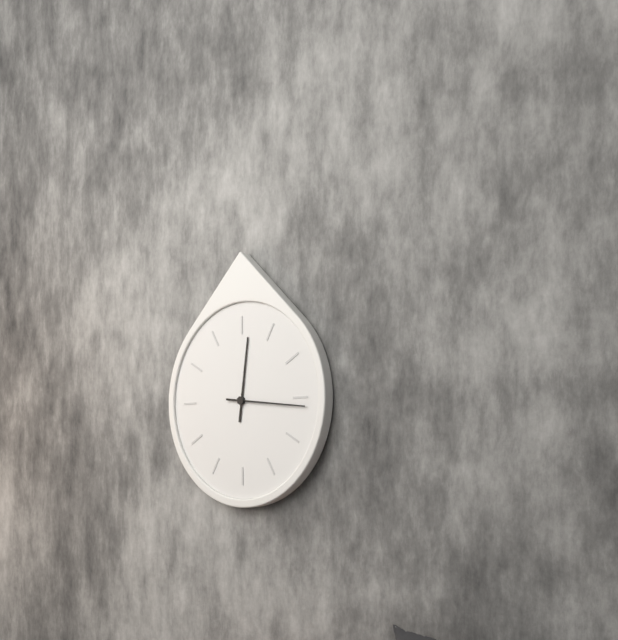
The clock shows 12.16
